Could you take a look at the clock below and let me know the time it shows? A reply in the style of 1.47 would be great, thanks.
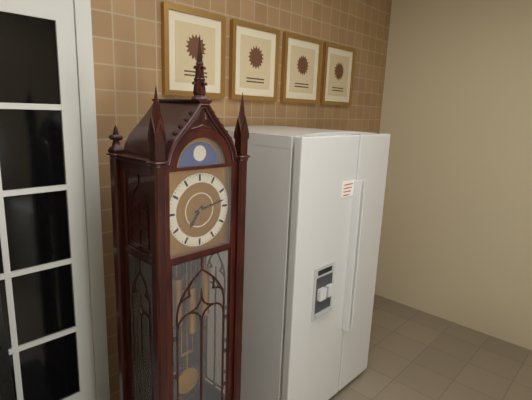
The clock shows 7.13
